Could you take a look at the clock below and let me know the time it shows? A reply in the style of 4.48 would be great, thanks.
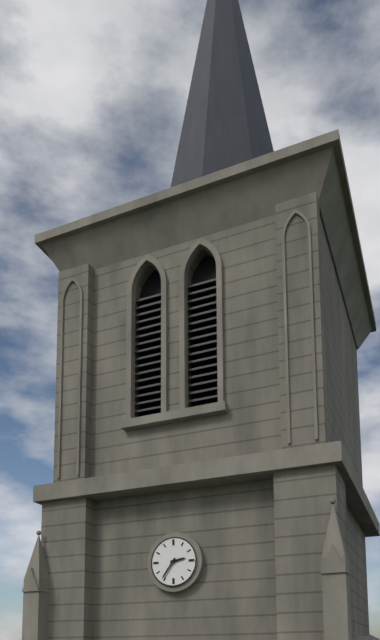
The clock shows 2.36
